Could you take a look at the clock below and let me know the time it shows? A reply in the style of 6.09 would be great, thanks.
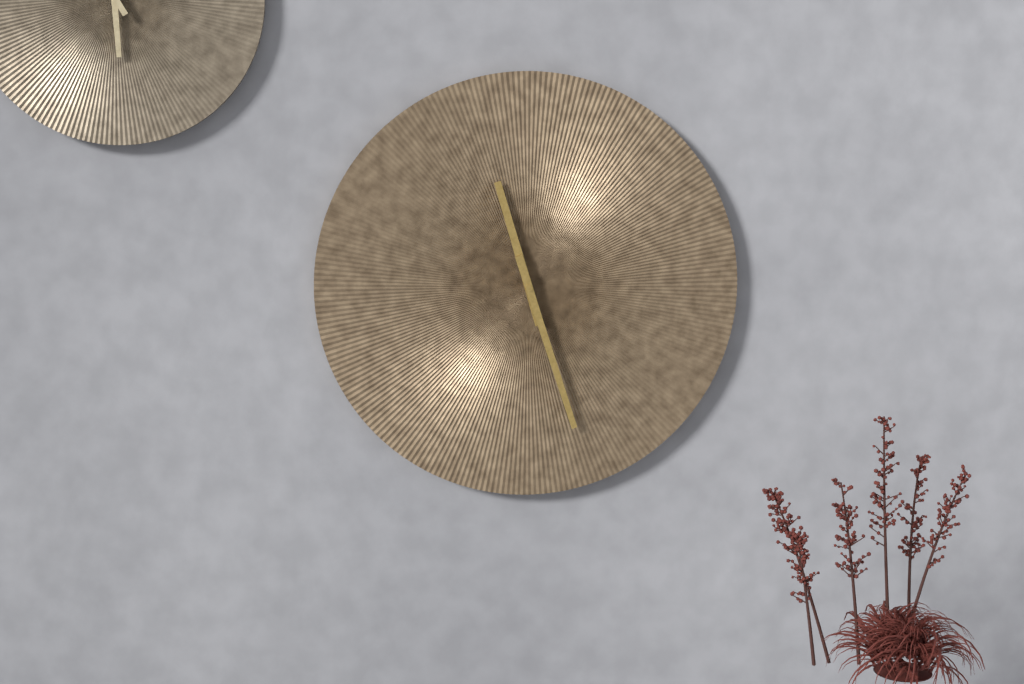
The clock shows 11.27
